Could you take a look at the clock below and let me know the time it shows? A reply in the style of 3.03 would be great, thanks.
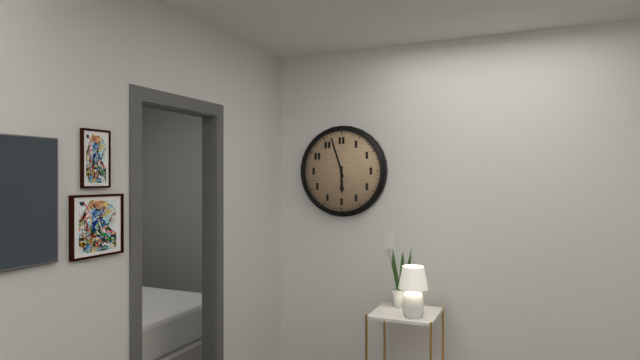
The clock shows 5.57
